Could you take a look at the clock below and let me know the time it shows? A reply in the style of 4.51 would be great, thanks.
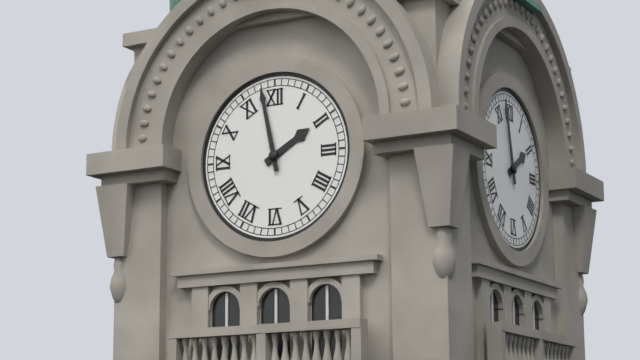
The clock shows 1.58
